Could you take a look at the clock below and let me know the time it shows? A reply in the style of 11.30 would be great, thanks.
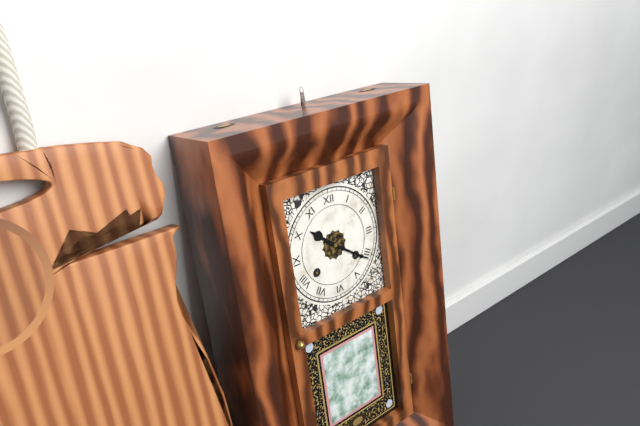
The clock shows 10.21
